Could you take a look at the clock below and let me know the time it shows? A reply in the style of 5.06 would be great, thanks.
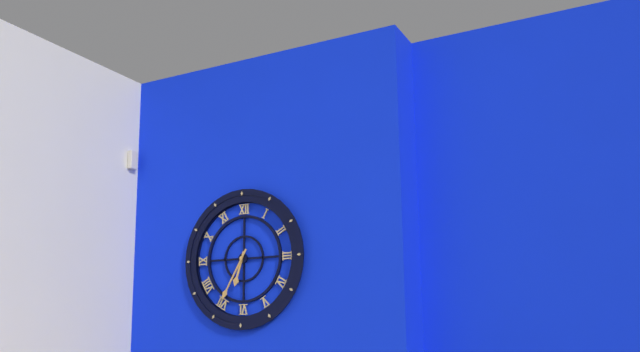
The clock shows 6.35
